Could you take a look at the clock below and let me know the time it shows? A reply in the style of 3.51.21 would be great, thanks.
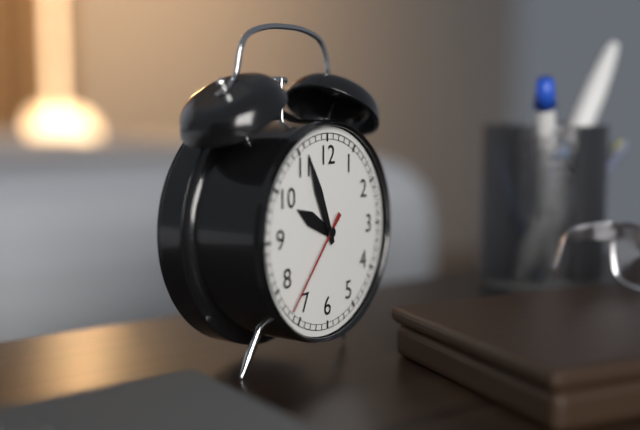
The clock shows 9.56.37
